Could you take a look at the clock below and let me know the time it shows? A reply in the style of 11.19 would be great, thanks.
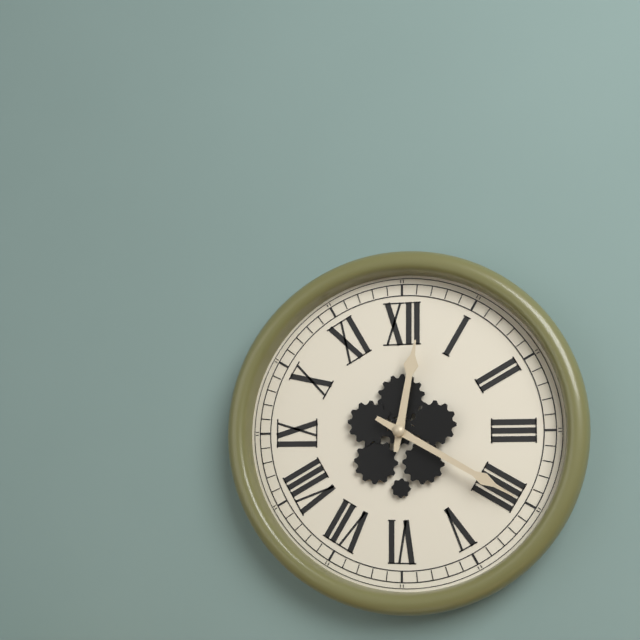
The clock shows 12.20
